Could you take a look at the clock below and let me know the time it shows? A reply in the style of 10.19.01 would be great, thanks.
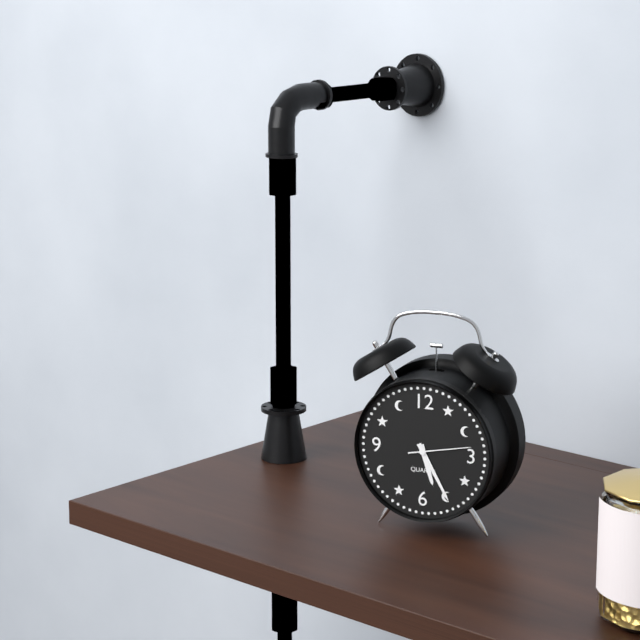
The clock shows 5.25.13
